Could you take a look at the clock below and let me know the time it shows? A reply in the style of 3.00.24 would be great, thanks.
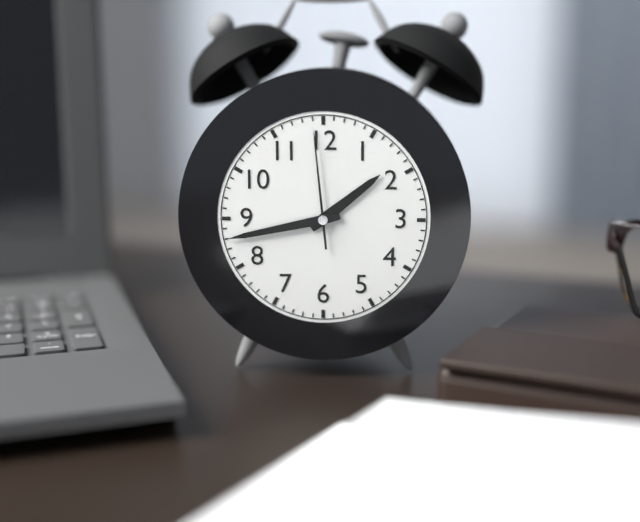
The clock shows 1.43.59
